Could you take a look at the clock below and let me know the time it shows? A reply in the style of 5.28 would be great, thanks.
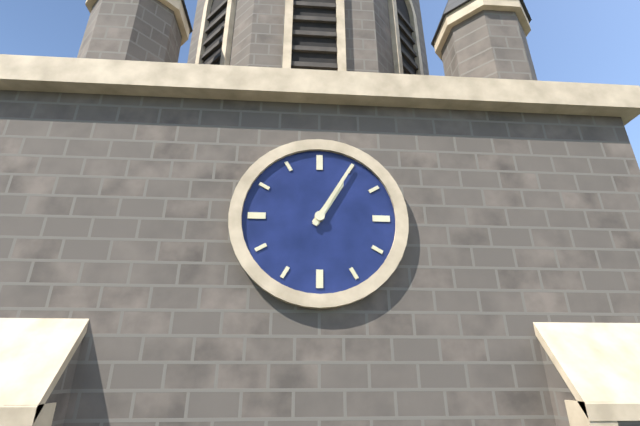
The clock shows 1.05
